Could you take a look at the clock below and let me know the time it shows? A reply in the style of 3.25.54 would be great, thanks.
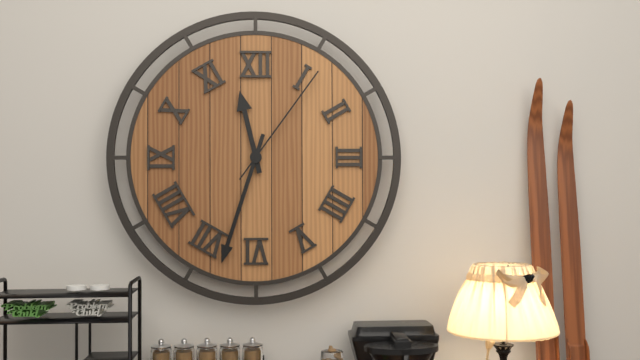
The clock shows 11.33.06
